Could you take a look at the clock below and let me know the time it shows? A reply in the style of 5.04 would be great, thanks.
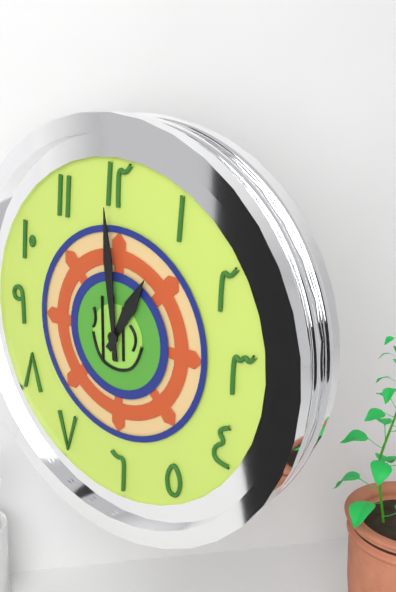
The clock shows 12.59
